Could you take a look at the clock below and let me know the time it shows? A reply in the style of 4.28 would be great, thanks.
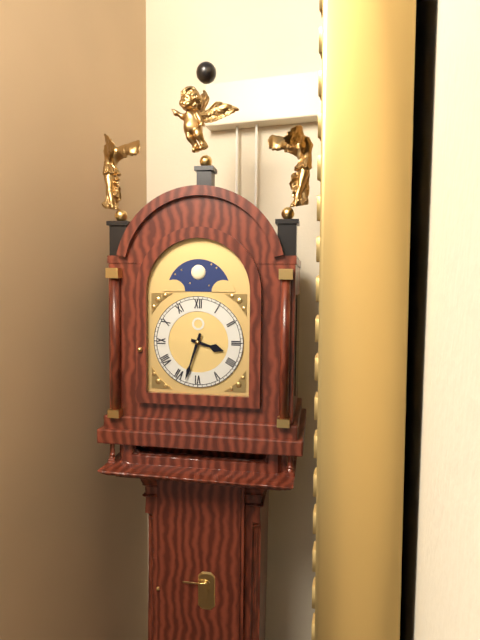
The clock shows 3.33
